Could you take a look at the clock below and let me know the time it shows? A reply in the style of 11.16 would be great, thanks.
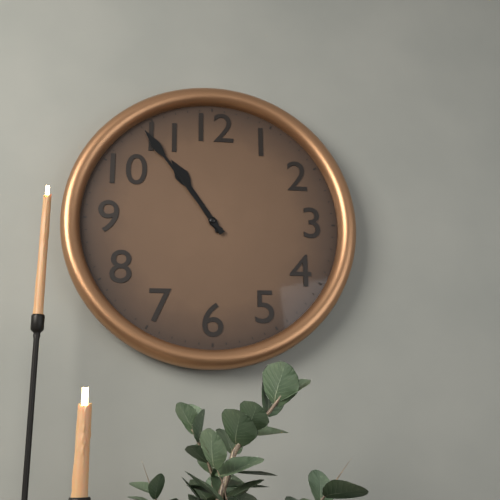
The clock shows 10.54
